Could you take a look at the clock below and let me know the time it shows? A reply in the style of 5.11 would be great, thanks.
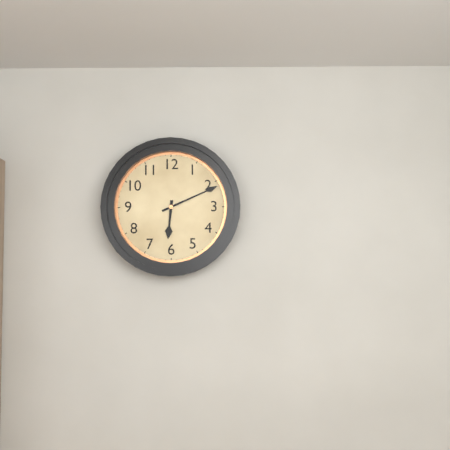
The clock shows 6.11
